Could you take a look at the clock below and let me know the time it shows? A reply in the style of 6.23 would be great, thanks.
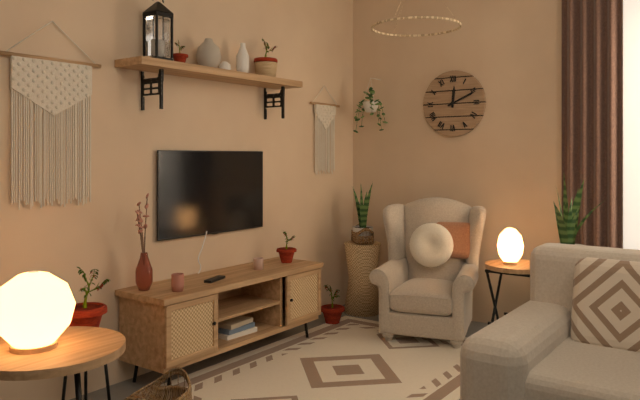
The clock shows 12.11
